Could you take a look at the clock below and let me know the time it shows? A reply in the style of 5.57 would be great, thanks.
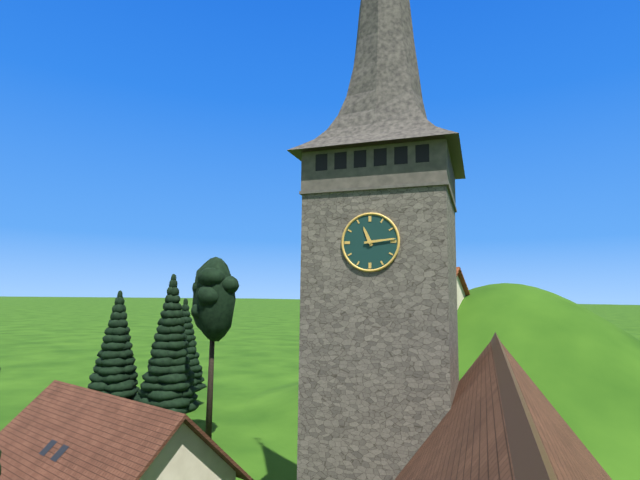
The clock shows 11.14
